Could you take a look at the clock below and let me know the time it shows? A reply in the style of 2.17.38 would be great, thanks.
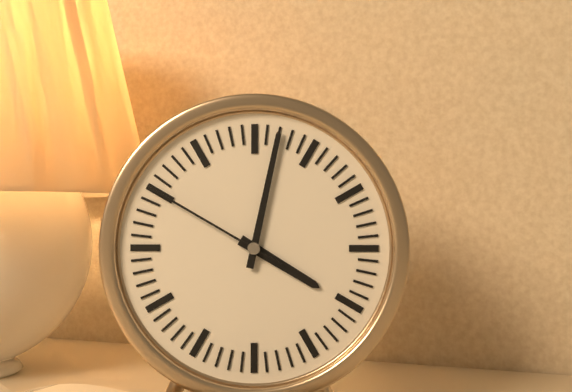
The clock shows 4.02.50
